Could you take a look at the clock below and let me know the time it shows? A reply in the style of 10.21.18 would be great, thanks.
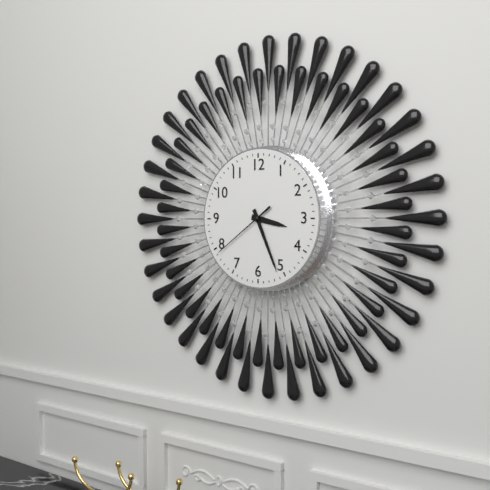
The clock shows 3.26.39
